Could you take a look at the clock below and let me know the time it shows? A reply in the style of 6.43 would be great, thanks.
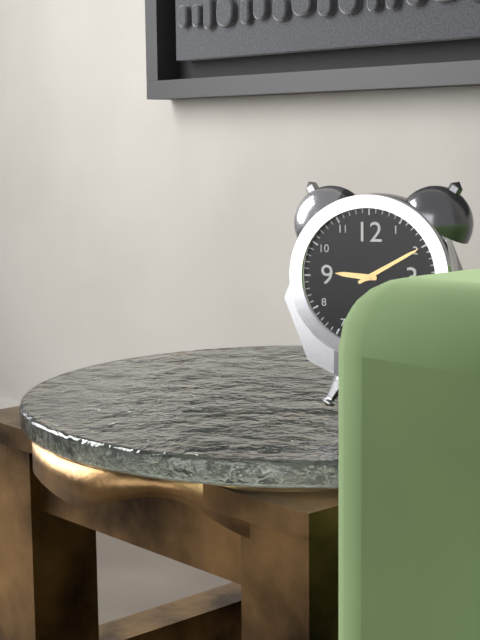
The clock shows 9.10
